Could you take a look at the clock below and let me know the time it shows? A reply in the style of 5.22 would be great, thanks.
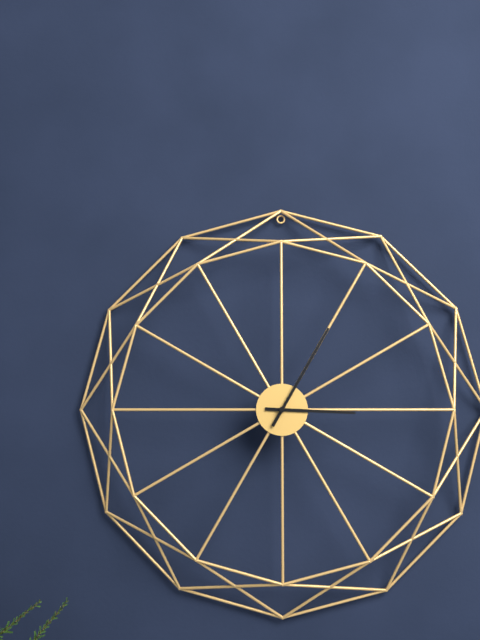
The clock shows 3.05
